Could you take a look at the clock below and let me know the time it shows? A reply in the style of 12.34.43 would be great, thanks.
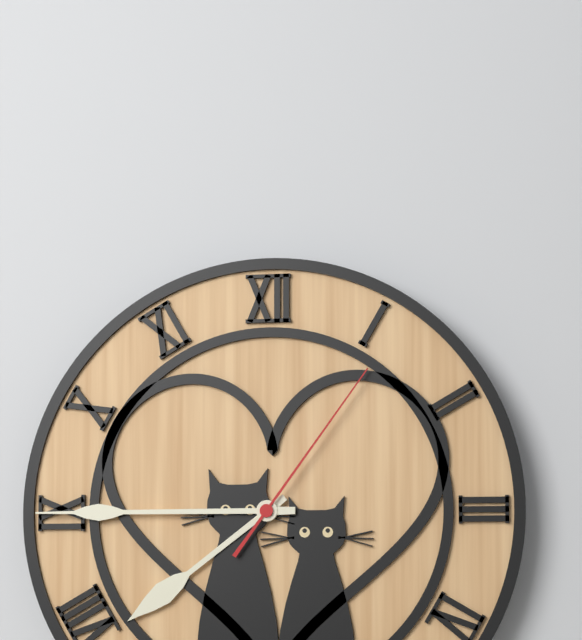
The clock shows 7.45.06
